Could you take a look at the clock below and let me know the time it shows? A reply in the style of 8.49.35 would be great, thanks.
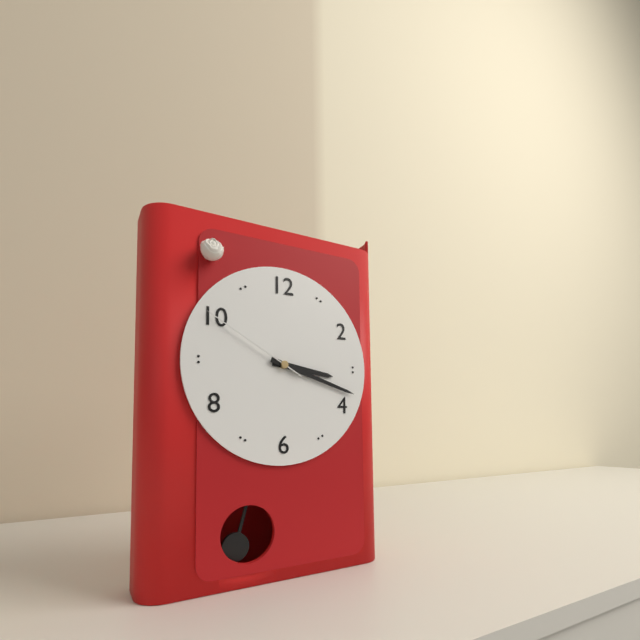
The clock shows 3.18.50
